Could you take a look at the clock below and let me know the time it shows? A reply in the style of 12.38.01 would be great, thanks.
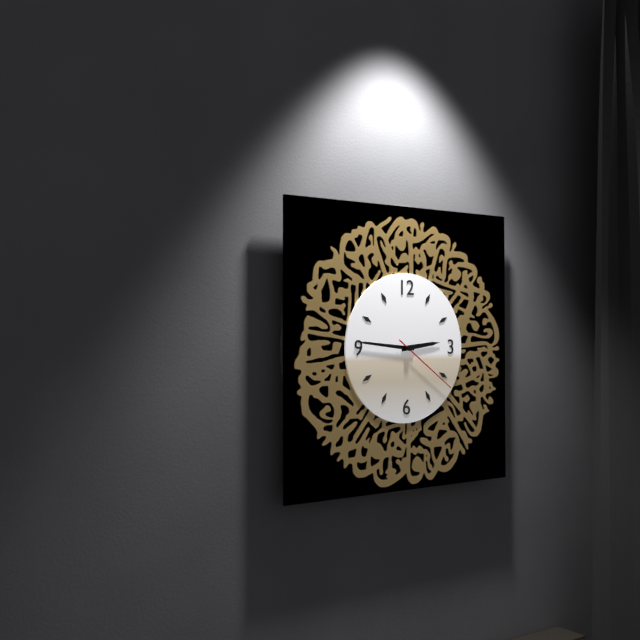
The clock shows 2.46.21
